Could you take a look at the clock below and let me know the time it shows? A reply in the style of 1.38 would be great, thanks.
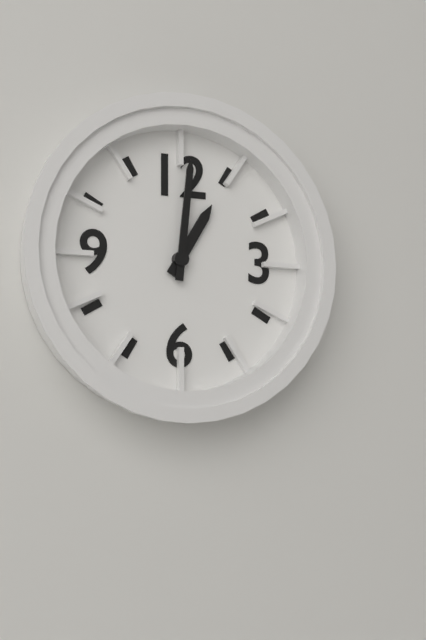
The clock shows 1.01
